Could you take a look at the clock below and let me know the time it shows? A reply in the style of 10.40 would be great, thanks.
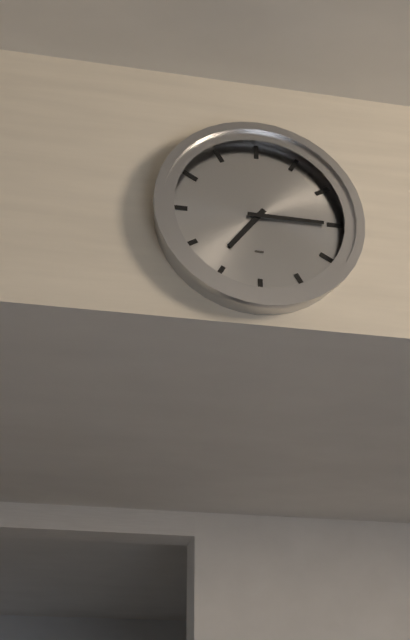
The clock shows 7.15
